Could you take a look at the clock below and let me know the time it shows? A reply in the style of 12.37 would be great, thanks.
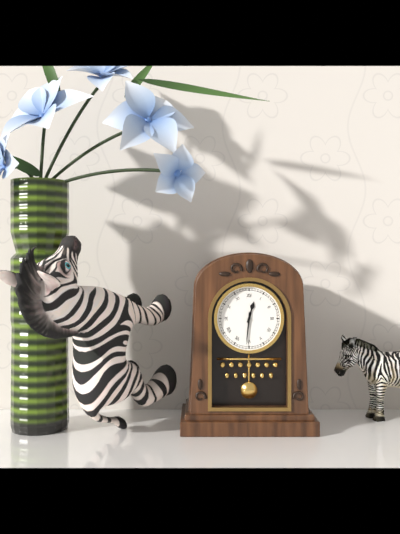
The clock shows 12.31
